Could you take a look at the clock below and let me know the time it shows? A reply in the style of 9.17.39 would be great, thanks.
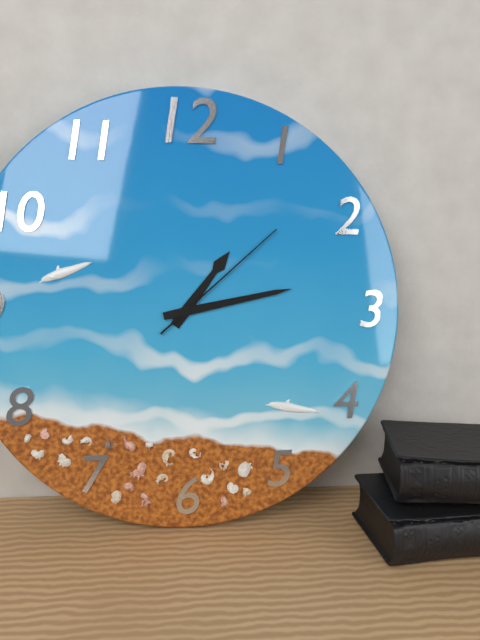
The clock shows 1.13.08
